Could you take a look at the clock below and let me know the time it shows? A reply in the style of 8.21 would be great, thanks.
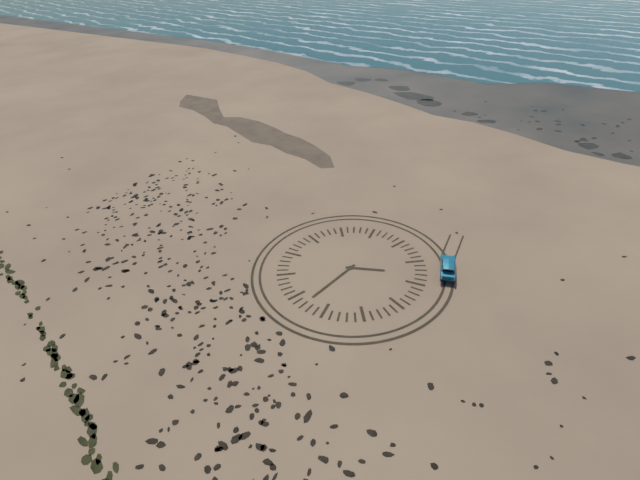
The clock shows 2.33
